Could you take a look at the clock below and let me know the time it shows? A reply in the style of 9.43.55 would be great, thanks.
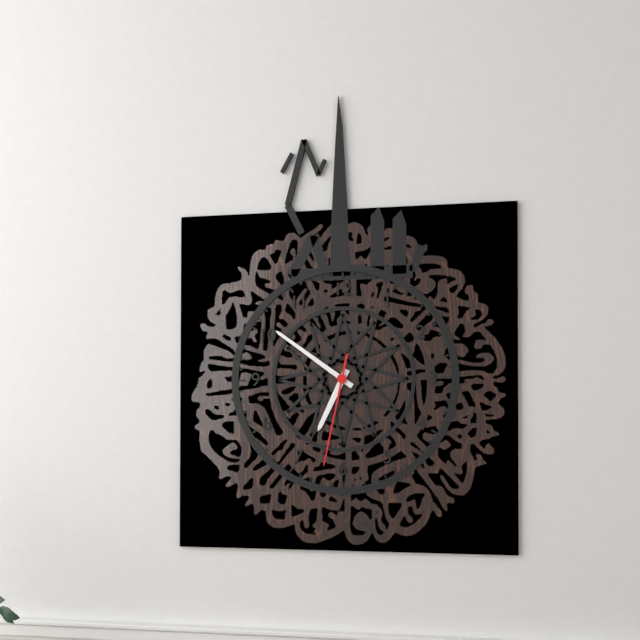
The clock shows 6.51.32
